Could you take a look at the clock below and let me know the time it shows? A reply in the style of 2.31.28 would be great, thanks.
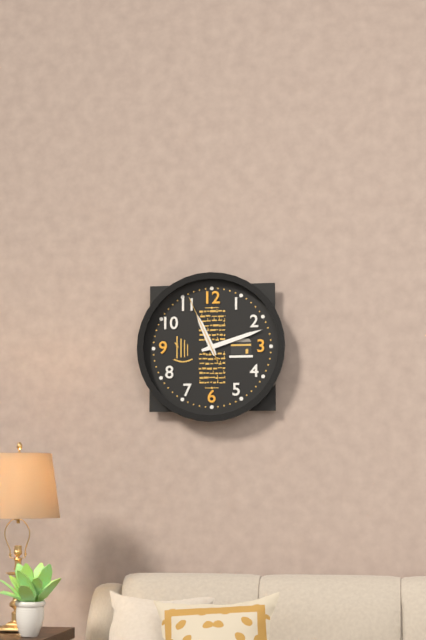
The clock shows 11.12.56
